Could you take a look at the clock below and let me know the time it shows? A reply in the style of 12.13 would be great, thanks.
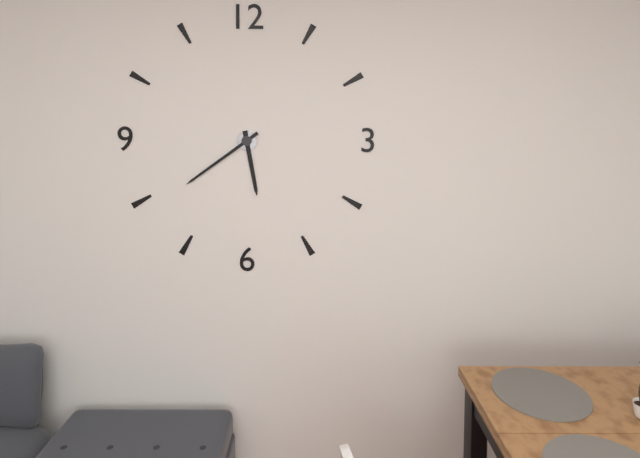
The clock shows 5.39
